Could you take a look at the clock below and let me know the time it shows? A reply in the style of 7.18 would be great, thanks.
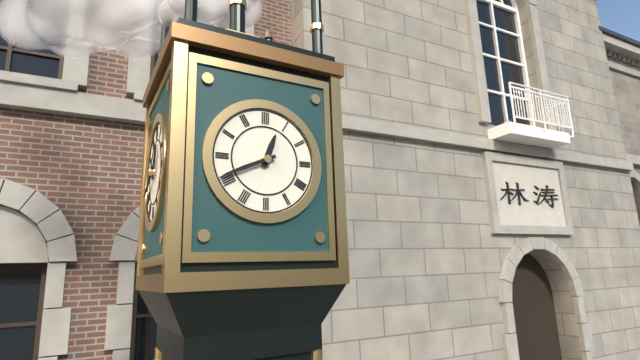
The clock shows 12.41
